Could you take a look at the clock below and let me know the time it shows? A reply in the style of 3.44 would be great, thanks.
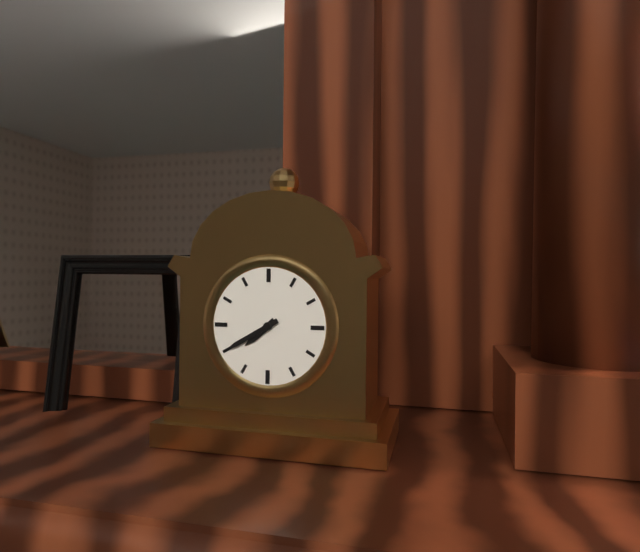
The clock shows 7.40
